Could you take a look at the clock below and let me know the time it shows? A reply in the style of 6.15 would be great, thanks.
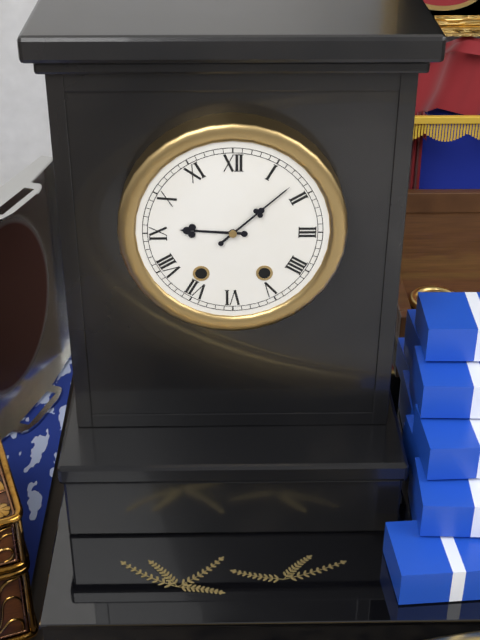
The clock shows 9.08
